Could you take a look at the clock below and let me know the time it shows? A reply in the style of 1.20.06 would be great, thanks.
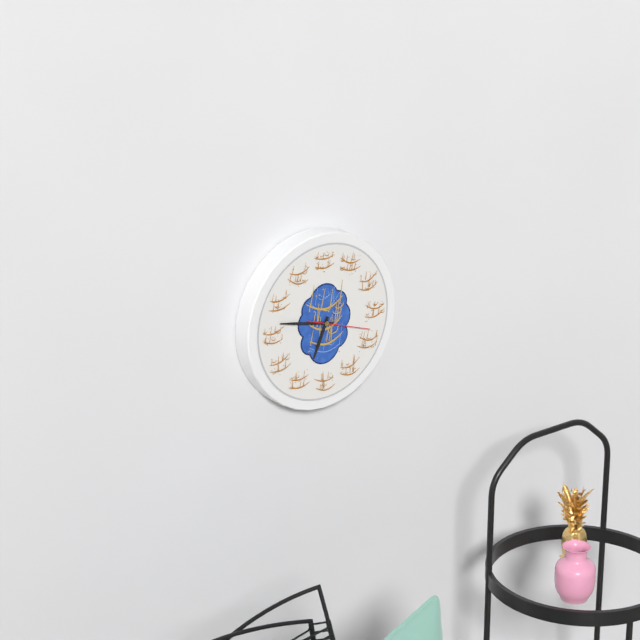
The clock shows 6.47.18
